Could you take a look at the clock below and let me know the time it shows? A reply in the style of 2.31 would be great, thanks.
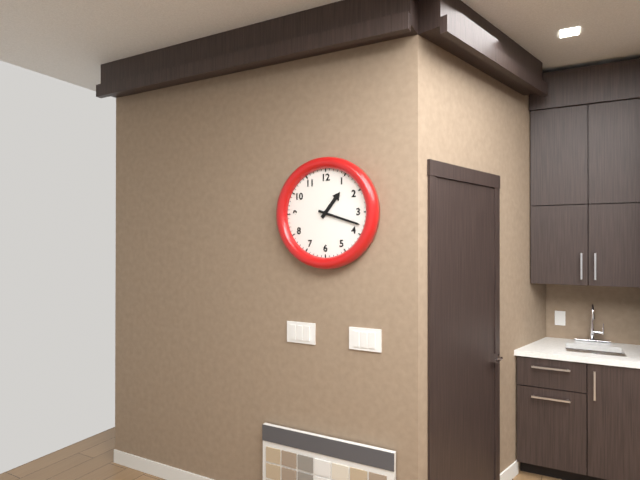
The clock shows 1.18
